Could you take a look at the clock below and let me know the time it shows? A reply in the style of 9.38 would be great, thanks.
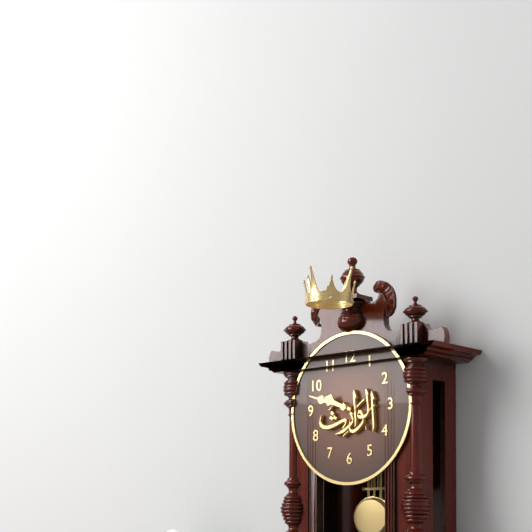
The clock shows 9.48
